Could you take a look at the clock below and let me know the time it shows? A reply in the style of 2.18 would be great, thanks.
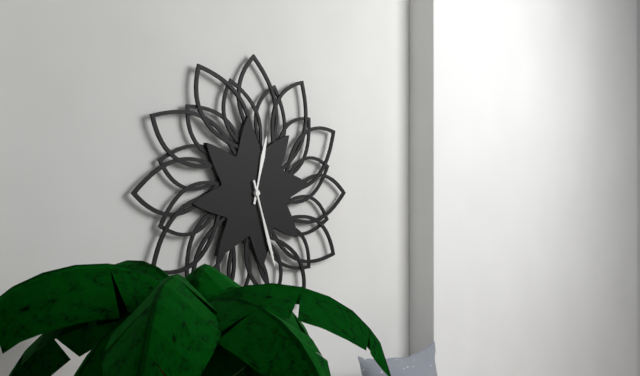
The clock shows 12.27
